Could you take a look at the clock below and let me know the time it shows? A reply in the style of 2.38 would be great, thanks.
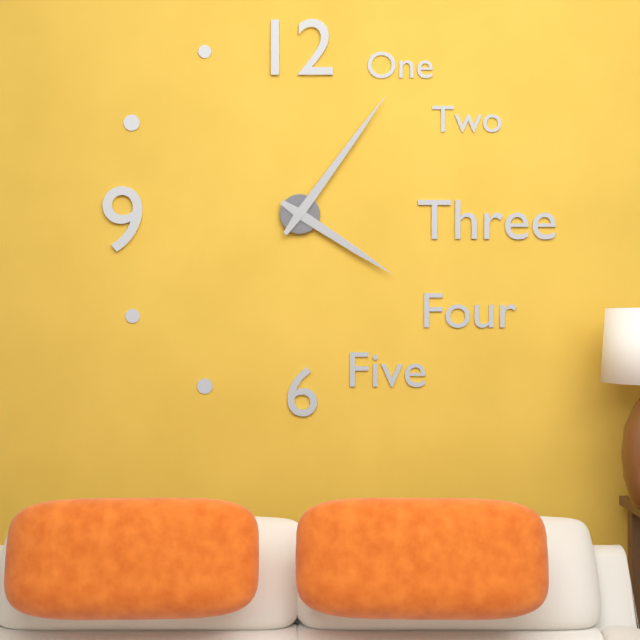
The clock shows 4.06
